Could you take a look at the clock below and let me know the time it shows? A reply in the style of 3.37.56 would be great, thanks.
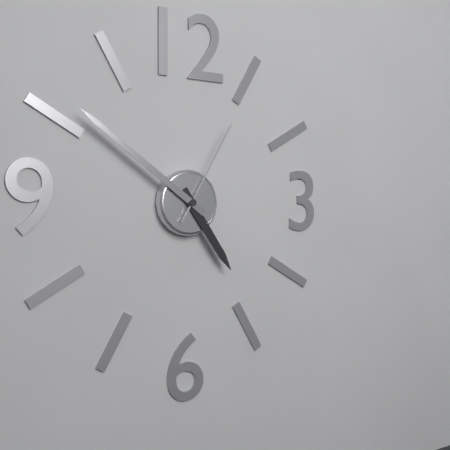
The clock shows 4.51.05
